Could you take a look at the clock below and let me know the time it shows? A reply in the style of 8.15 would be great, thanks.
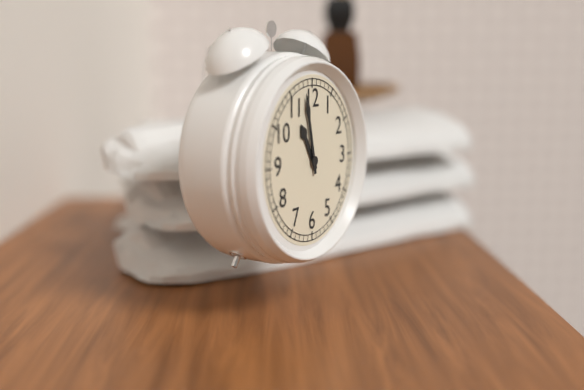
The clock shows 10.58
